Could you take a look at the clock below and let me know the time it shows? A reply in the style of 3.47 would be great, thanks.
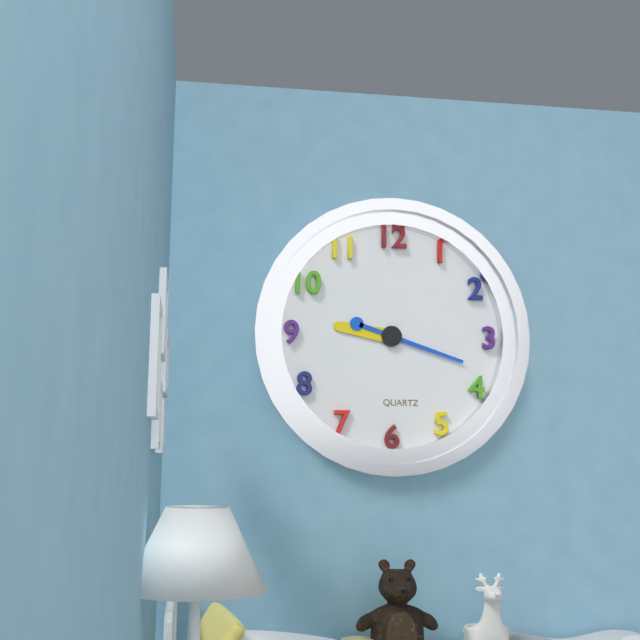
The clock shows 9.18
